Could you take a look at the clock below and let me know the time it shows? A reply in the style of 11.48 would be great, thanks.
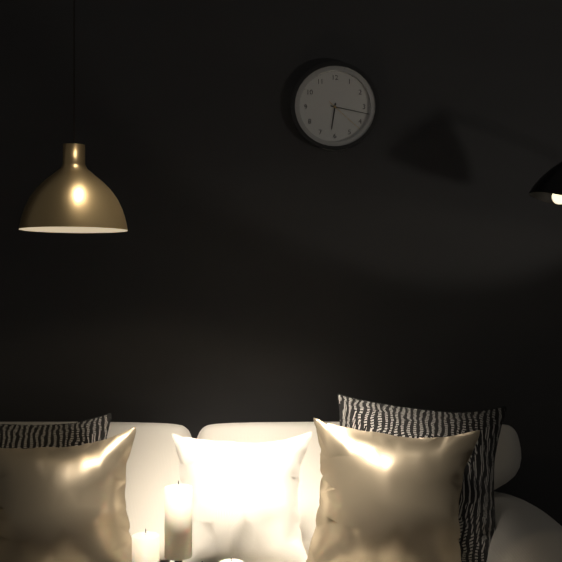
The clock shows 6.17
